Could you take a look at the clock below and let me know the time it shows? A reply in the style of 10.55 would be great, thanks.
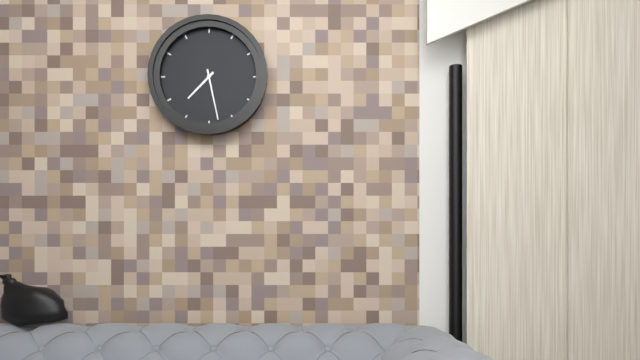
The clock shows 7.28
